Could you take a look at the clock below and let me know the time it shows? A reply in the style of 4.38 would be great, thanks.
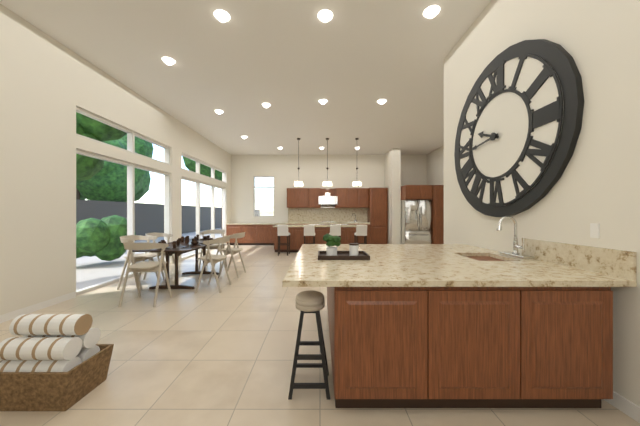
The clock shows 9.44
